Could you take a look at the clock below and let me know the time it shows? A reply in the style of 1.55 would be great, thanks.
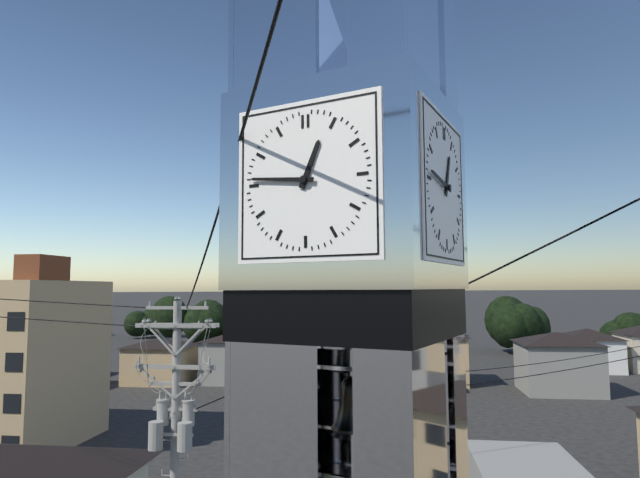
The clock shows 12.46
